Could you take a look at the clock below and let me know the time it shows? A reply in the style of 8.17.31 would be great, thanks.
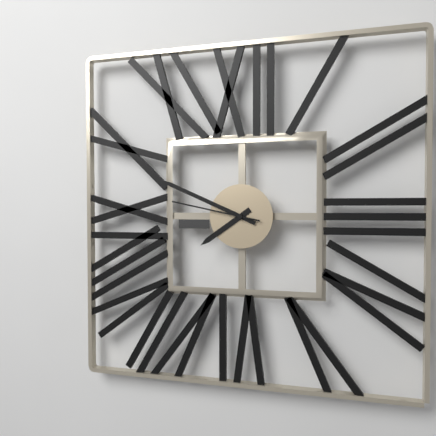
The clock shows 7.49.47
